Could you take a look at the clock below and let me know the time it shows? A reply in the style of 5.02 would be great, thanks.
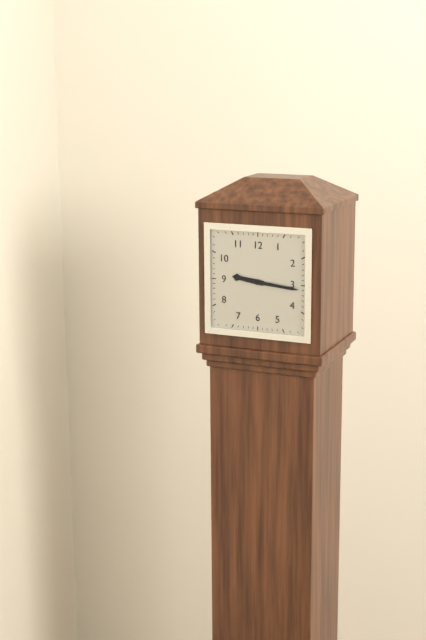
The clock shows 9.16
